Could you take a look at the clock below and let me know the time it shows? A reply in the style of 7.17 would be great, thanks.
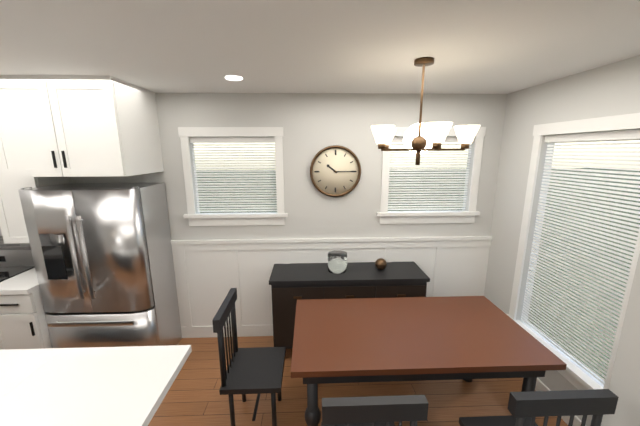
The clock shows 10.15
